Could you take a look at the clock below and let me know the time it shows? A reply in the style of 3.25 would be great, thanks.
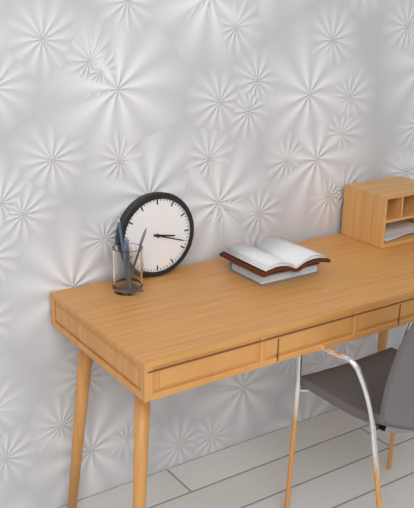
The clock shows 3.18
